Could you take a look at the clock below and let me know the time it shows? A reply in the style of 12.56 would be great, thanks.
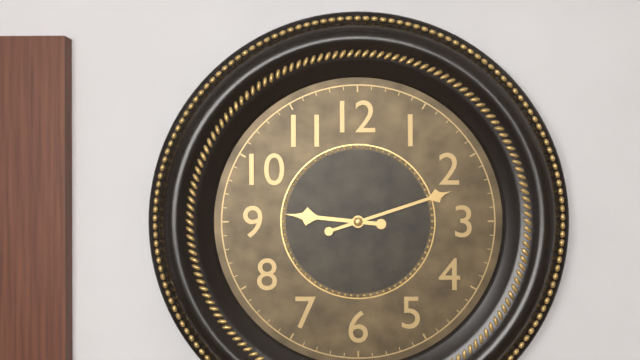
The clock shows 9.12
